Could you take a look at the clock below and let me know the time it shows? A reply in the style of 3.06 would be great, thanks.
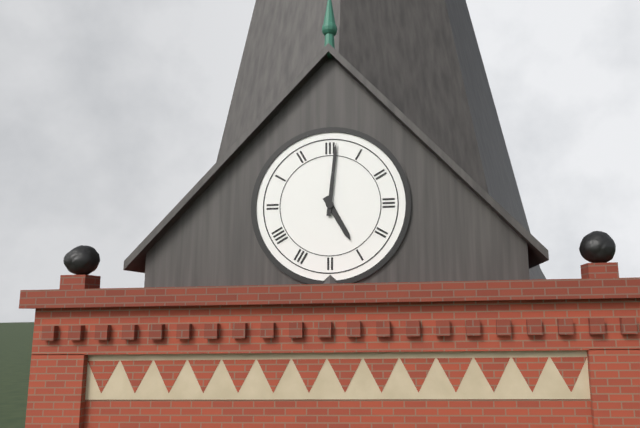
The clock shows 5.01
